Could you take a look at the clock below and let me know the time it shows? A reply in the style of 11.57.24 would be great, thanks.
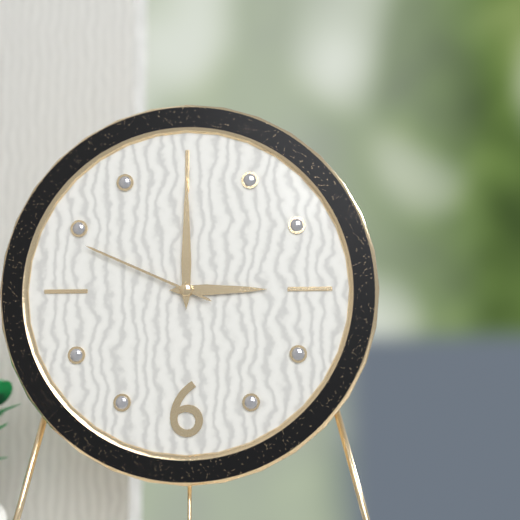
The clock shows 3.00.49
